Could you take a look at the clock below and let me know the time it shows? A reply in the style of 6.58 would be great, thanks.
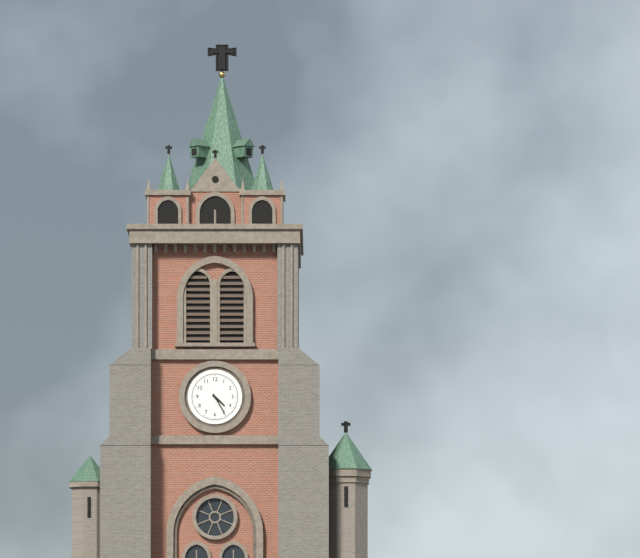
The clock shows 4.25
